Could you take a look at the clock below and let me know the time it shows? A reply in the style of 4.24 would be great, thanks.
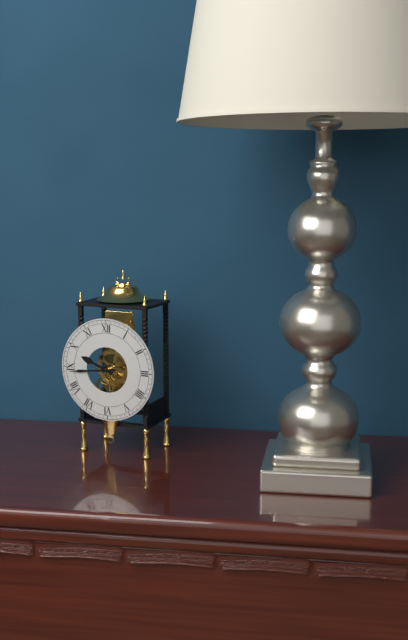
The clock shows 9.44
